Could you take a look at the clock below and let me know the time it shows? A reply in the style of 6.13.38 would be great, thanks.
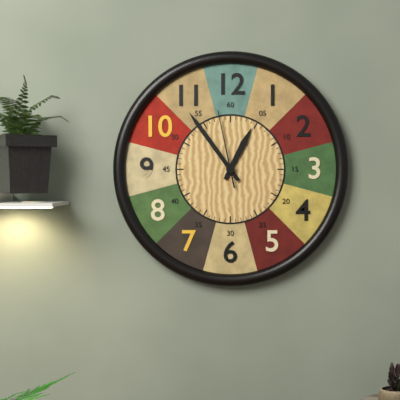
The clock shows 12.54.58
